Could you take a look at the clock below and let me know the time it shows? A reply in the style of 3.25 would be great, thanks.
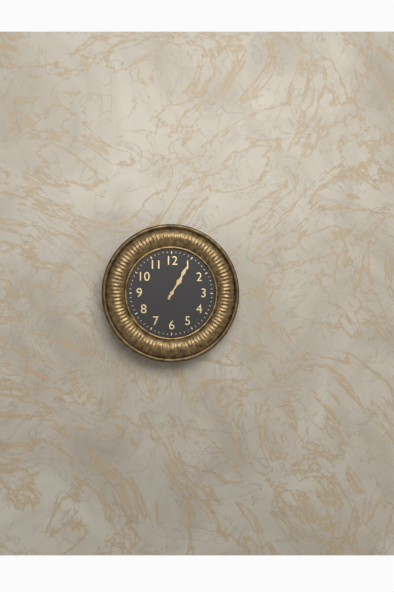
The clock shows 1.05
